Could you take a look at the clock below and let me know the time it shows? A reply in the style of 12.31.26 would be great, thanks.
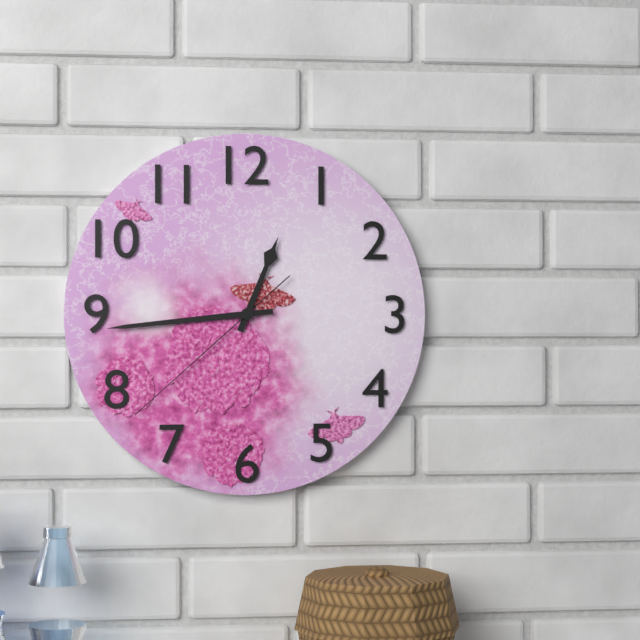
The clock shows 12.44.38
